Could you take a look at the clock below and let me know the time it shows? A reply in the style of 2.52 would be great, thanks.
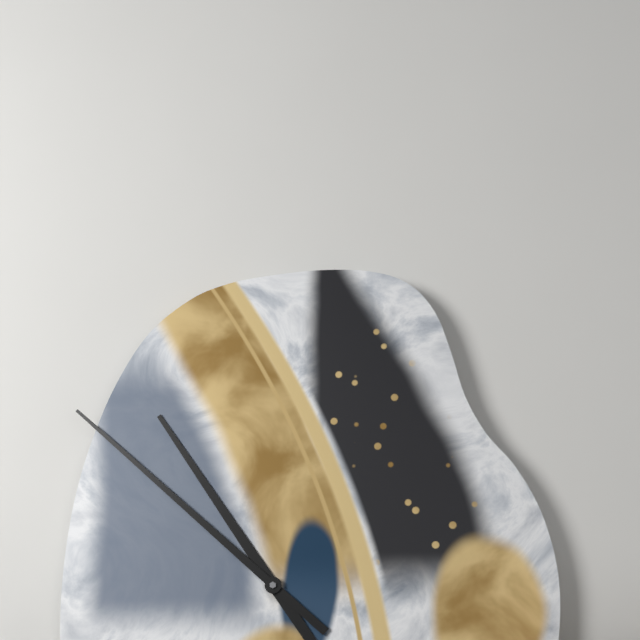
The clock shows 10.52
